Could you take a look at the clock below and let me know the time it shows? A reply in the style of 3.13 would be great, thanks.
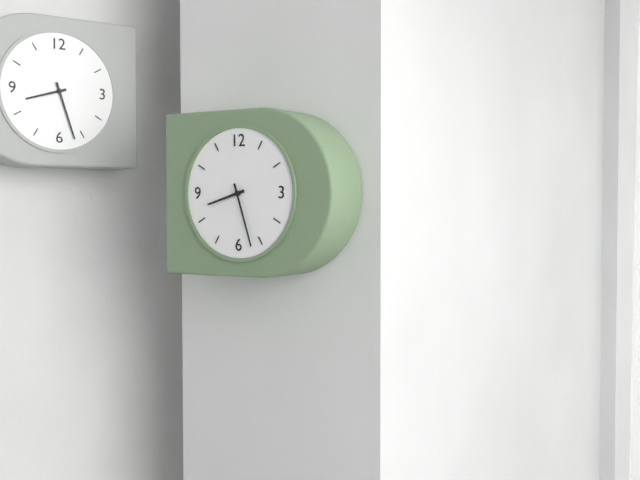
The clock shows 8.27
